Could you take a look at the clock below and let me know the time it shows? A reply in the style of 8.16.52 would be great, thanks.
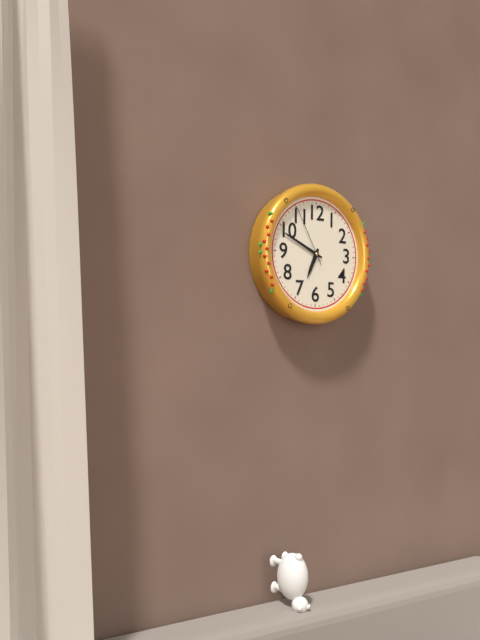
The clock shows 6.49.55
